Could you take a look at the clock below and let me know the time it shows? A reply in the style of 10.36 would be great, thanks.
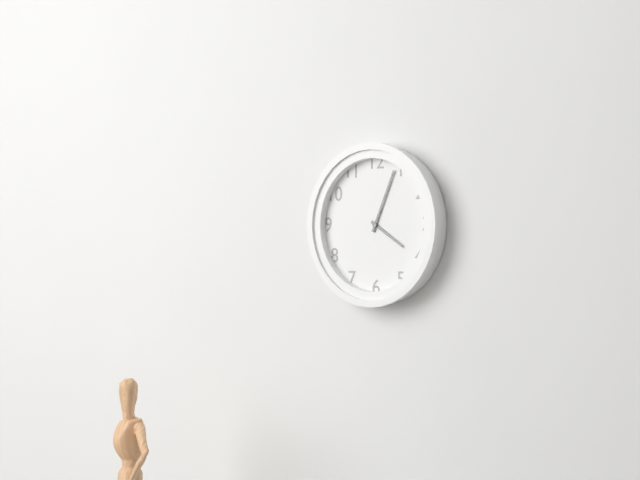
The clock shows 4.04
